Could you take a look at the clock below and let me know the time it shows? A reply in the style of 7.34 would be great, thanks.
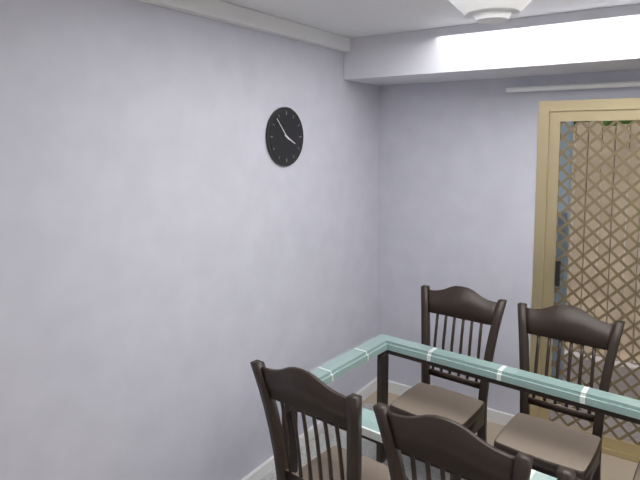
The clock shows 3.53
